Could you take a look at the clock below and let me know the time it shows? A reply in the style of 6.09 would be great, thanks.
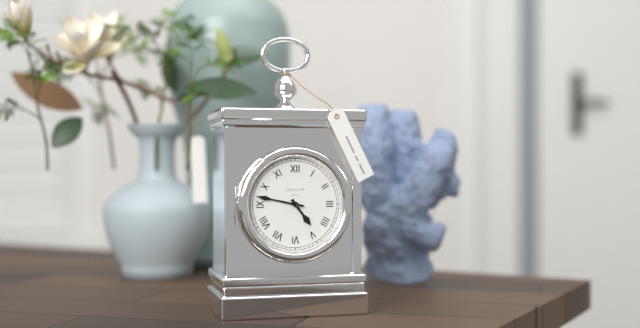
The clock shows 4.47
